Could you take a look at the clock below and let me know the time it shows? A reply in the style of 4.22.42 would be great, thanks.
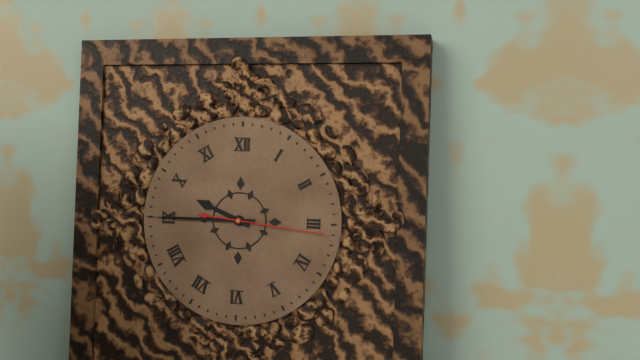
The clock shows 9.45.16
